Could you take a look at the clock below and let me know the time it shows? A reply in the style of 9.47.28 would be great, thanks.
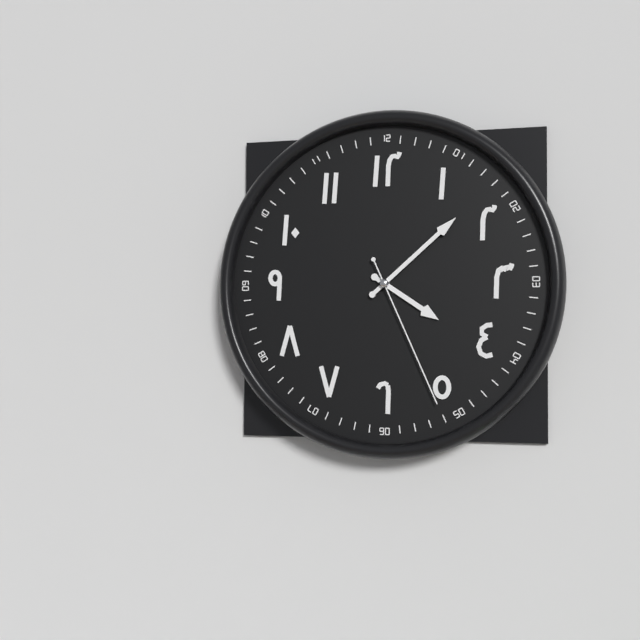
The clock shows 4.08.26
